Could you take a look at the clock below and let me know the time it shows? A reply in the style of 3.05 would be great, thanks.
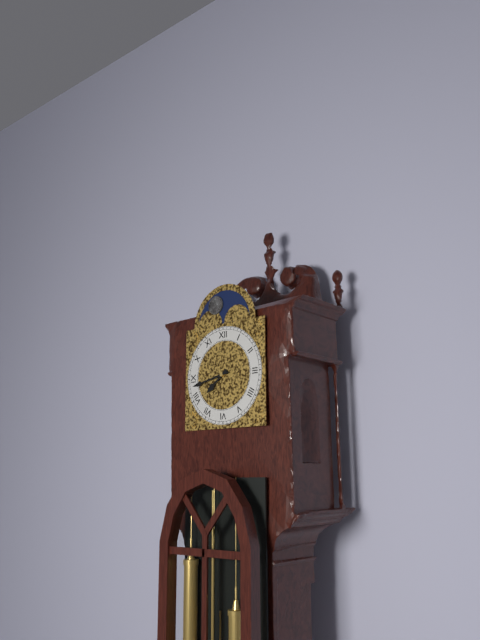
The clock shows 7.43
